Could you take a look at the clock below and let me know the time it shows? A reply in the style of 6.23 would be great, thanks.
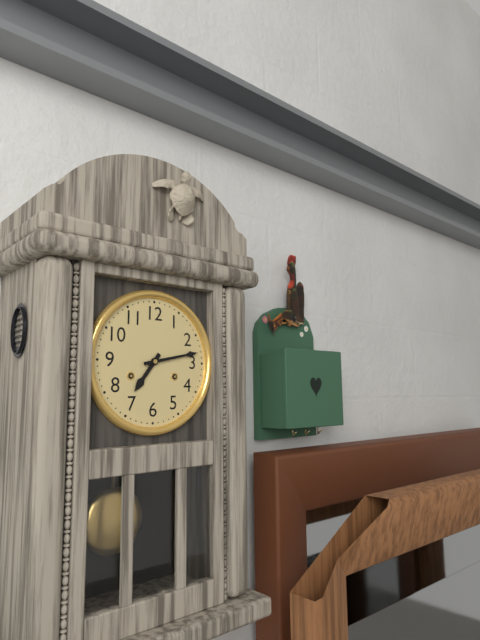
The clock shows 7.13
